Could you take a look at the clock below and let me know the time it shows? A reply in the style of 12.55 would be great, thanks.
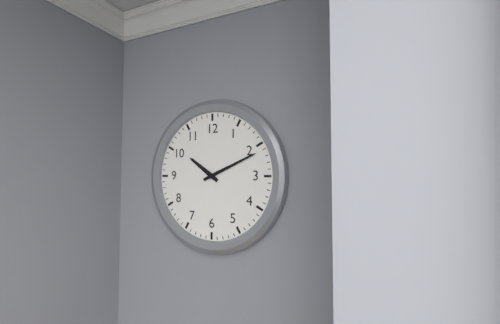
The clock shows 10.11
